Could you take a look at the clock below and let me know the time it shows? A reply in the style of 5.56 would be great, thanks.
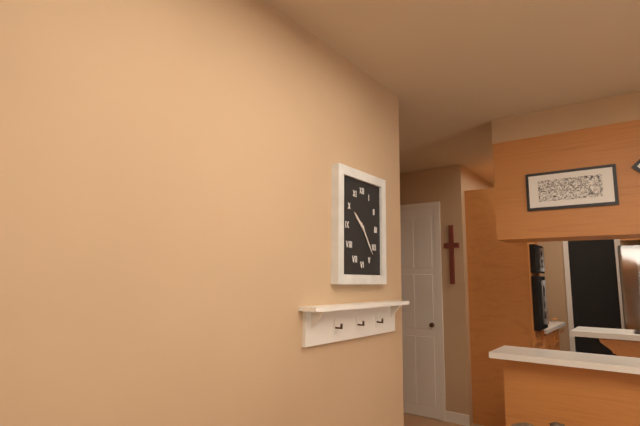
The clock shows 10.24
